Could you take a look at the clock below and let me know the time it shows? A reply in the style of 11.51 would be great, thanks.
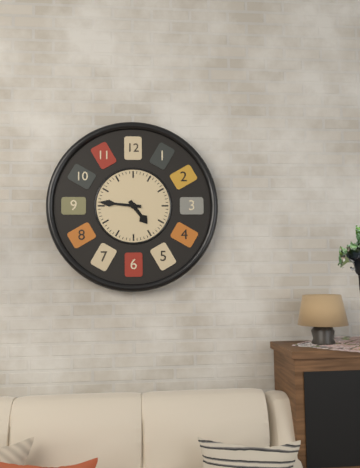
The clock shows 4.46
